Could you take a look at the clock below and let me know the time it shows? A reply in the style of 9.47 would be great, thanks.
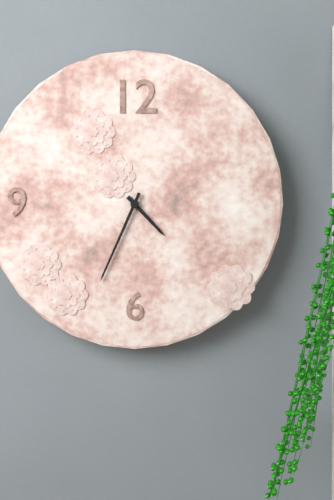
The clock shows 4.34
